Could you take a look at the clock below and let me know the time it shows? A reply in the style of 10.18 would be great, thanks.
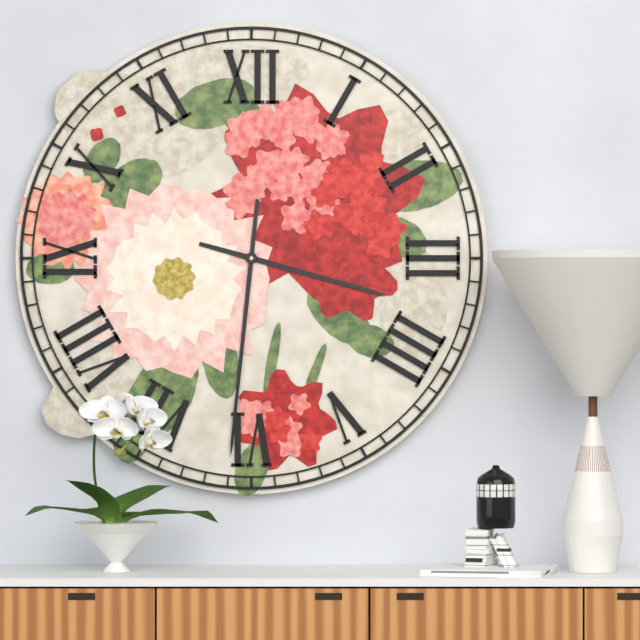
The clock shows 3.31
